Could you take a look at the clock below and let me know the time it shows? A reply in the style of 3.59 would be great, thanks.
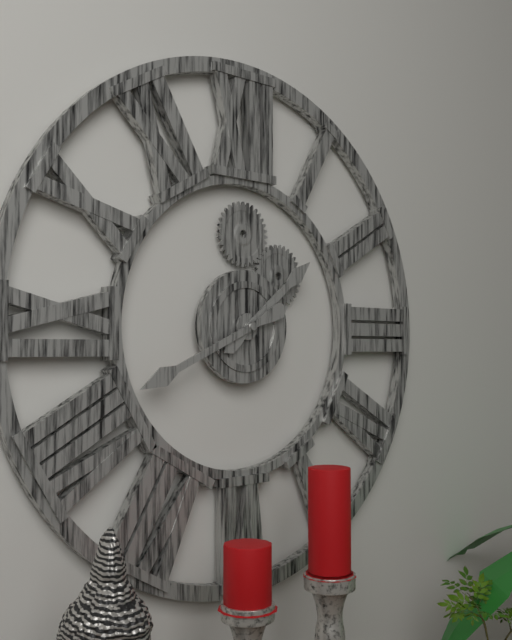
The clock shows 1.41
